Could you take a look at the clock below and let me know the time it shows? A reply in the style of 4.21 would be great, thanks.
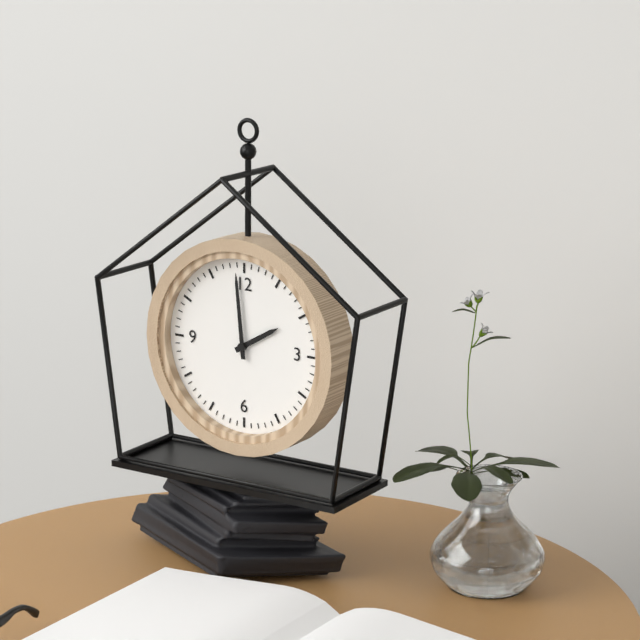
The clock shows 1.59
